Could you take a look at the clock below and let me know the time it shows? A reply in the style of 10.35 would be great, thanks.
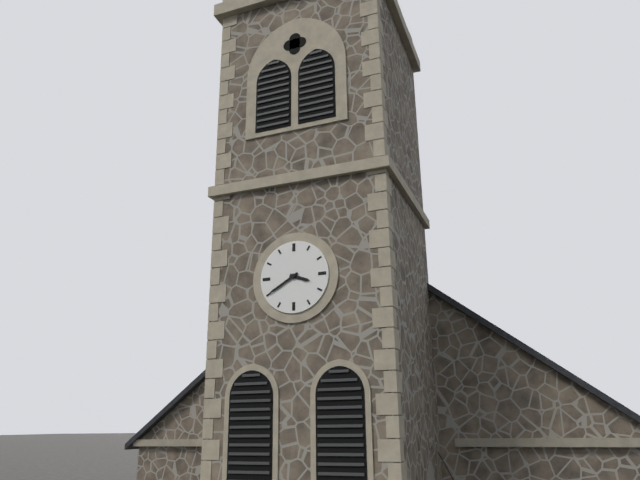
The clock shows 3.40
